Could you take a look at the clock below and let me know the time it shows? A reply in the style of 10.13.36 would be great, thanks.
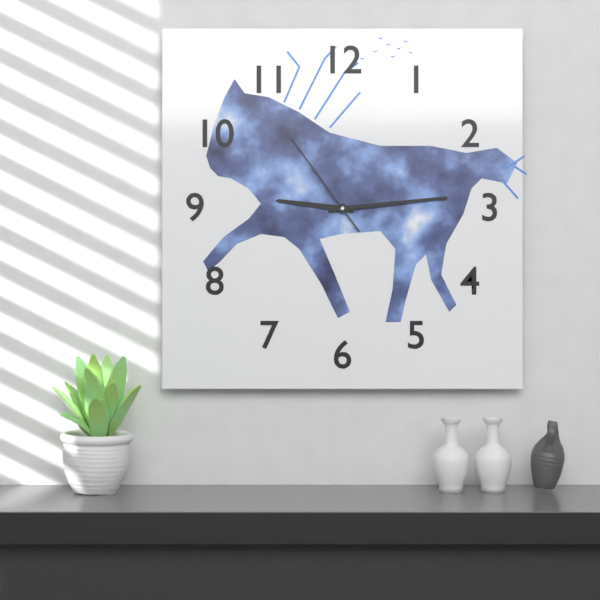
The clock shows 9.14.54
